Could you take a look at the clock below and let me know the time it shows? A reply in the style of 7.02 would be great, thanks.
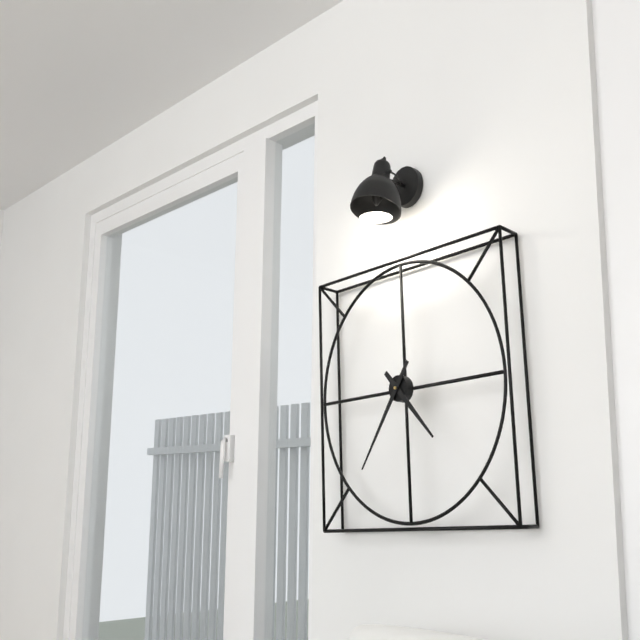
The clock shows 4.36
